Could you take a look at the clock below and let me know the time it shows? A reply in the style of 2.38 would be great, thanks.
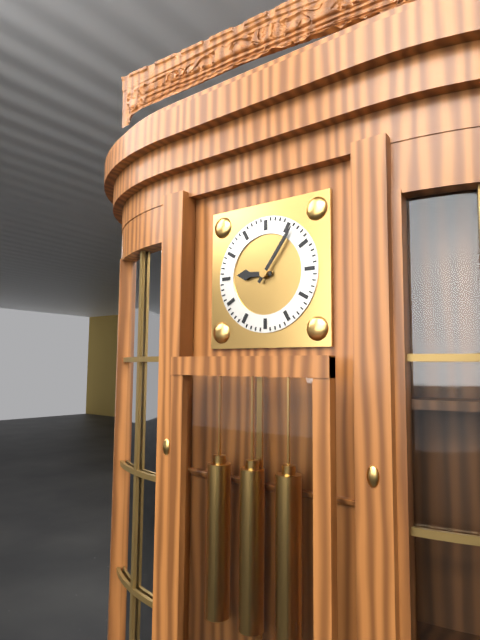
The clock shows 9.06
